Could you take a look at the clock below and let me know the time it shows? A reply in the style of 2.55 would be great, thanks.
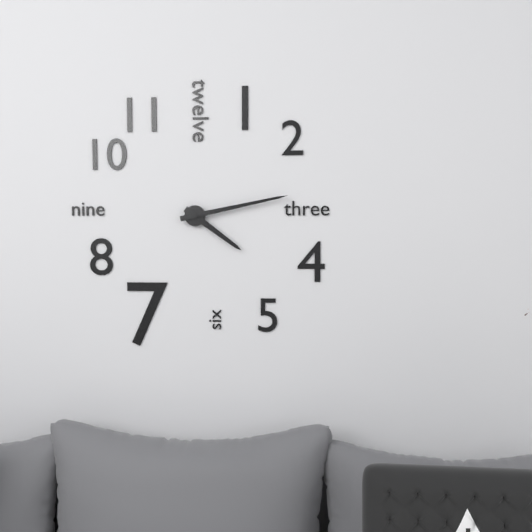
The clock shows 4.13
